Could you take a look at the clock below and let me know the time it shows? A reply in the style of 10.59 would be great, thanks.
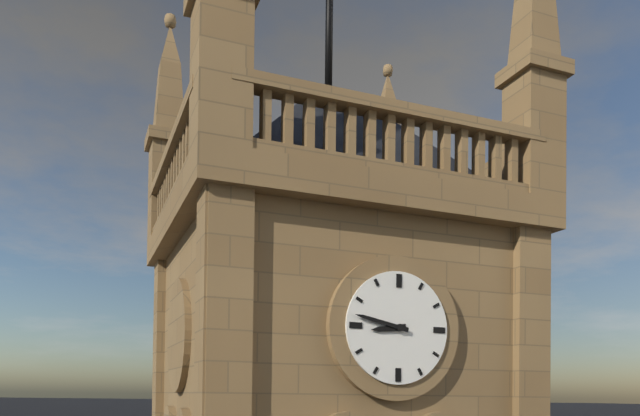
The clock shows 8.47
